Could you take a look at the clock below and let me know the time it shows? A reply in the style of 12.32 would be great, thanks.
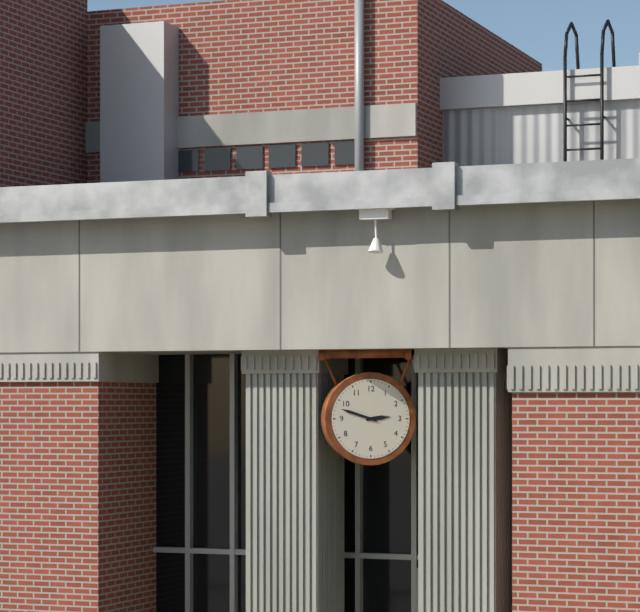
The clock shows 2.48
